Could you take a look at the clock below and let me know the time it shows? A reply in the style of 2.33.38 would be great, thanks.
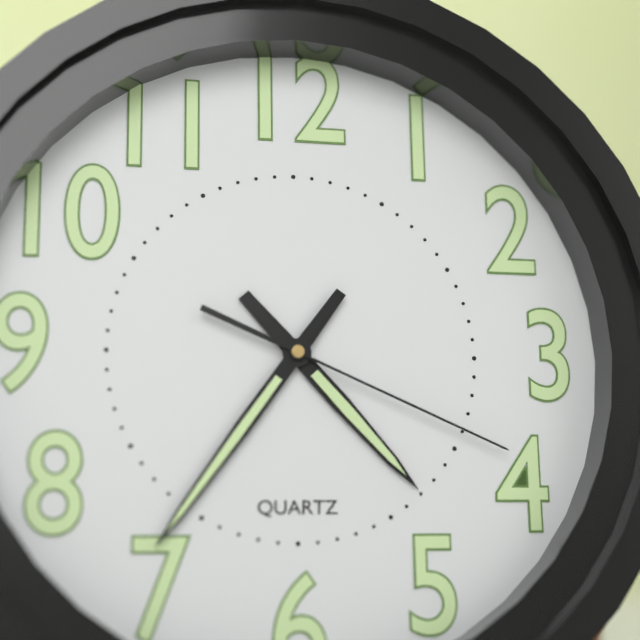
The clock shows 4.36.19
